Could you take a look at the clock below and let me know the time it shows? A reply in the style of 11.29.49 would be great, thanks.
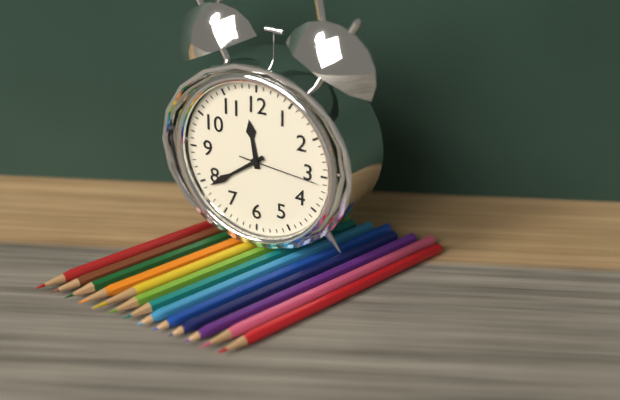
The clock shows 11.39.16
